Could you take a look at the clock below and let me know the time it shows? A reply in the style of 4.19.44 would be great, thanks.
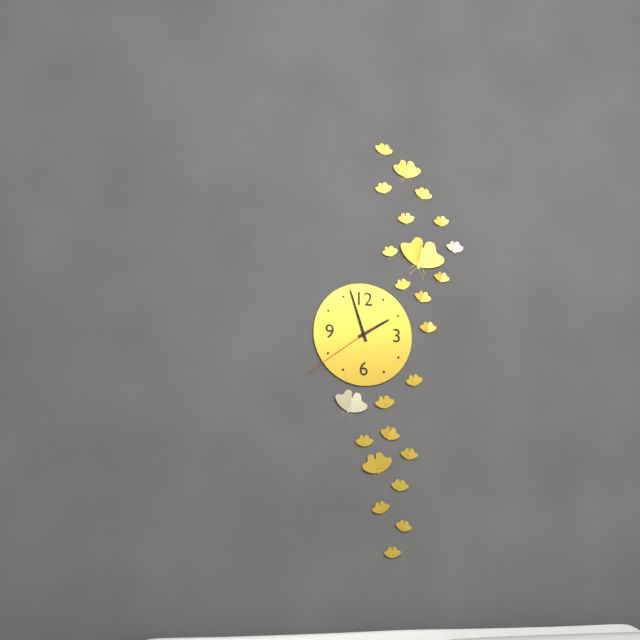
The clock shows 1.57.39
